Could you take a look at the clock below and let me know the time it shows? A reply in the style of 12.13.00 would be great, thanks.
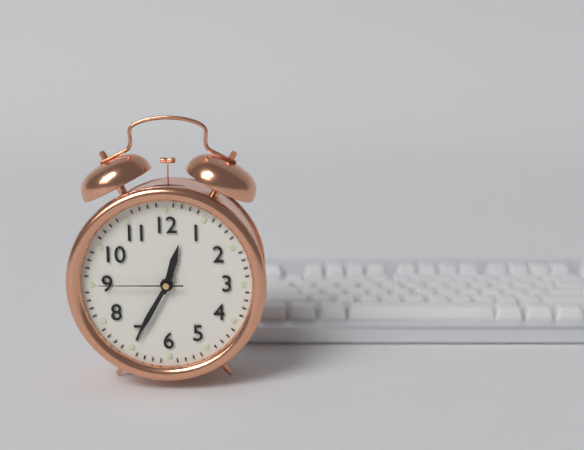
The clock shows 12.35.45
